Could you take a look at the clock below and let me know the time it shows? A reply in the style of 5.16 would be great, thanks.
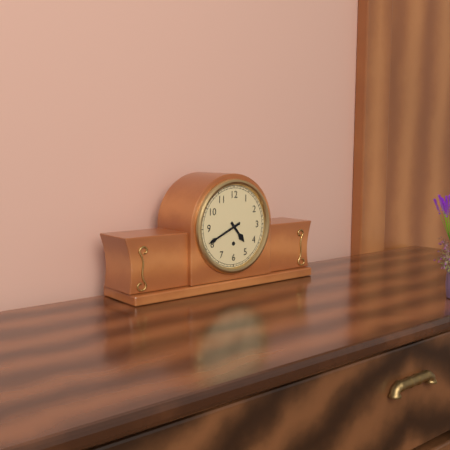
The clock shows 4.41
